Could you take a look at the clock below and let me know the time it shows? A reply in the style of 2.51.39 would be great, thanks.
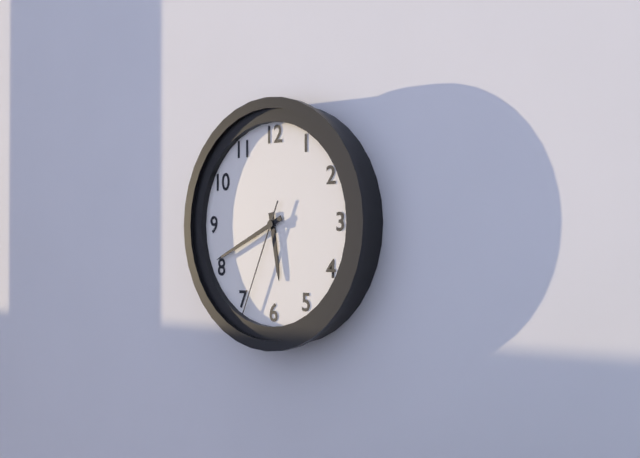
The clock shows 5.41.34
